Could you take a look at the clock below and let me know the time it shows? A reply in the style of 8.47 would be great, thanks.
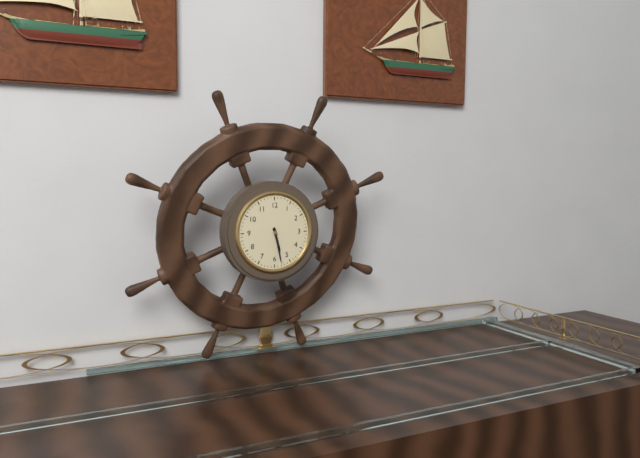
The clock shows 5.28
